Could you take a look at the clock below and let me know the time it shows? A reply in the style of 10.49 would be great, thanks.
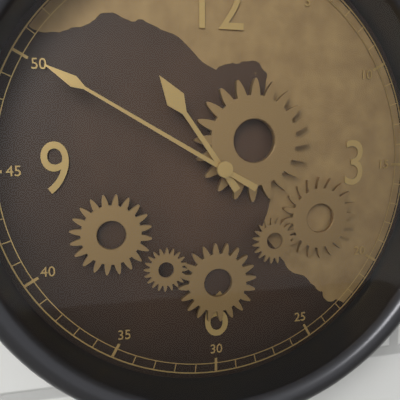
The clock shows 10.50
